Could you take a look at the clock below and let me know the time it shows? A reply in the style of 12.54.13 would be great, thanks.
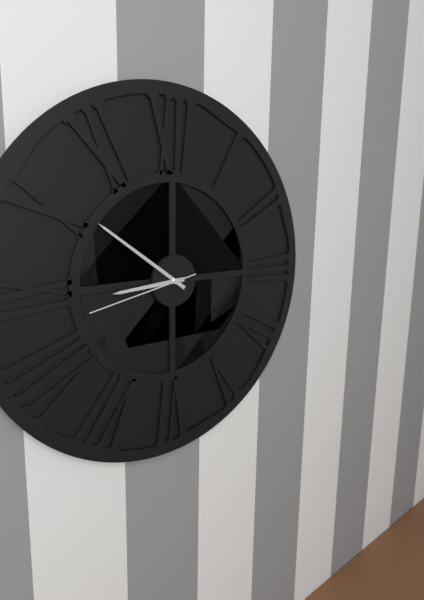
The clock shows 8.51.43
